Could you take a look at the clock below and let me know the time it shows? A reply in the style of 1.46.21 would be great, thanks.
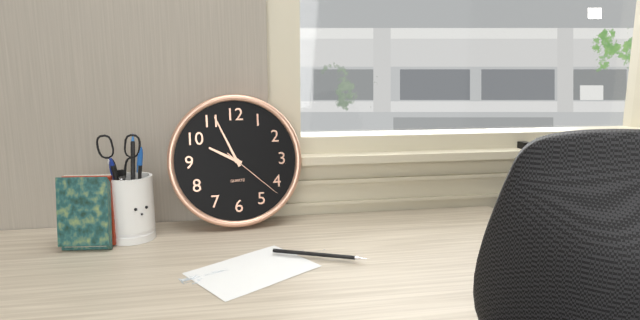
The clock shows 9.56.22
